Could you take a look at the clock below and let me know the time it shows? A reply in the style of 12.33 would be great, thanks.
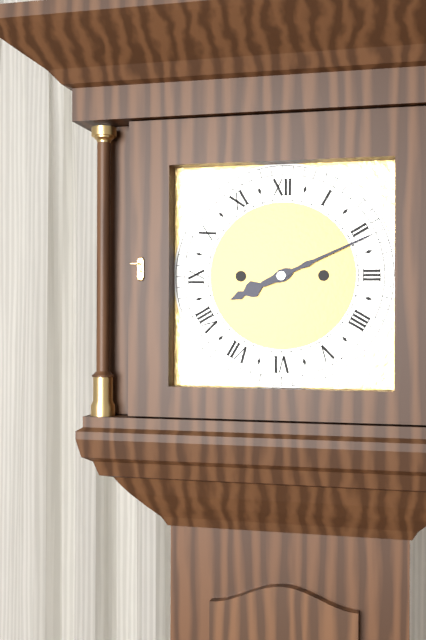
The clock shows 8.11
